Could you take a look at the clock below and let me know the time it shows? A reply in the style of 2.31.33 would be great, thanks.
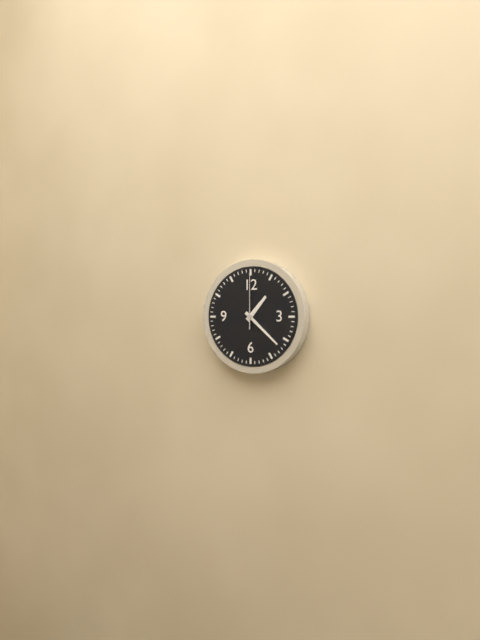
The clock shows 1.22.00
